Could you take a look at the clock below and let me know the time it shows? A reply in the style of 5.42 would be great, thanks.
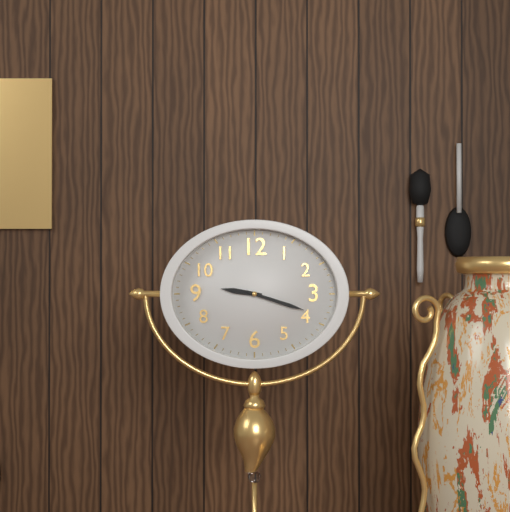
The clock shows 9.18
